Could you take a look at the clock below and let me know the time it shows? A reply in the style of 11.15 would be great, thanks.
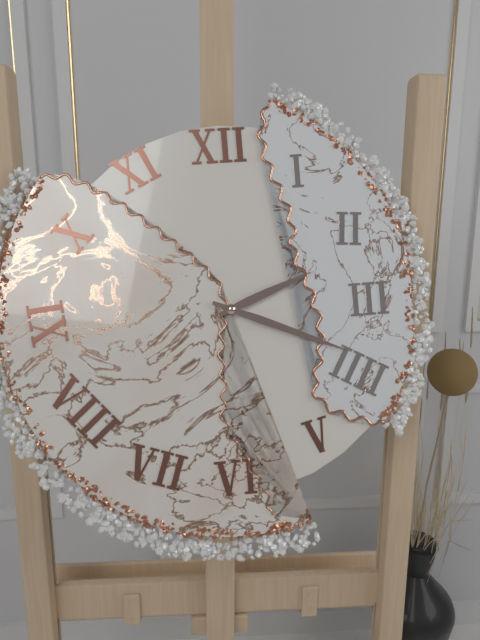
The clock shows 2.19
